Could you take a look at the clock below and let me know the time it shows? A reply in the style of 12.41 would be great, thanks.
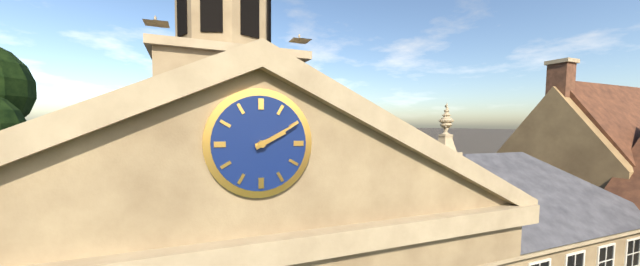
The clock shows 2.10
